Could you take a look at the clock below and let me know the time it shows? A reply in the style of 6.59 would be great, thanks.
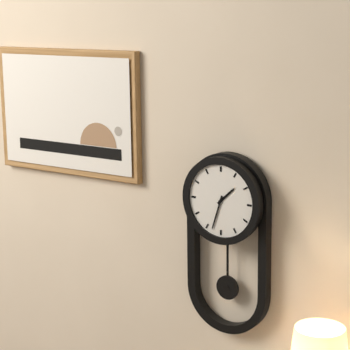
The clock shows 1.33
